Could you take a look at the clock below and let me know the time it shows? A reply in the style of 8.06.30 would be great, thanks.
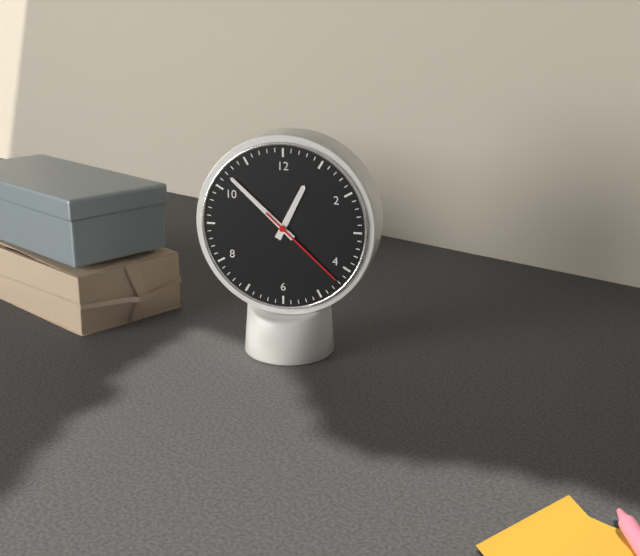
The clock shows 12.52.22
